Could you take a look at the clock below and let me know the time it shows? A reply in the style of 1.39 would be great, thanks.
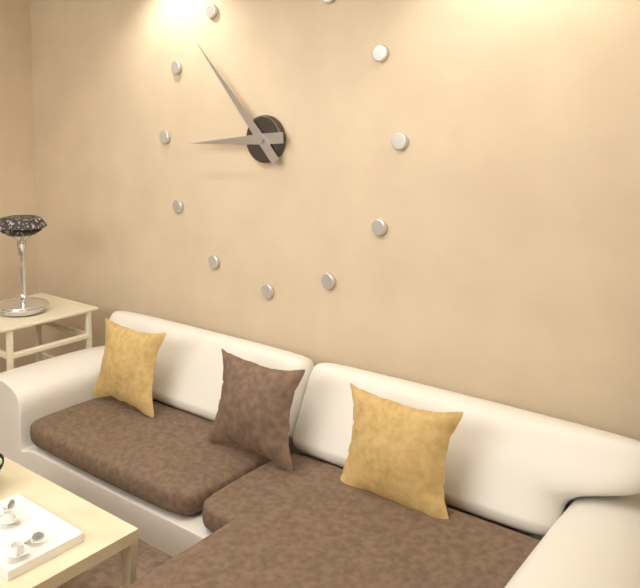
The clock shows 8.53
